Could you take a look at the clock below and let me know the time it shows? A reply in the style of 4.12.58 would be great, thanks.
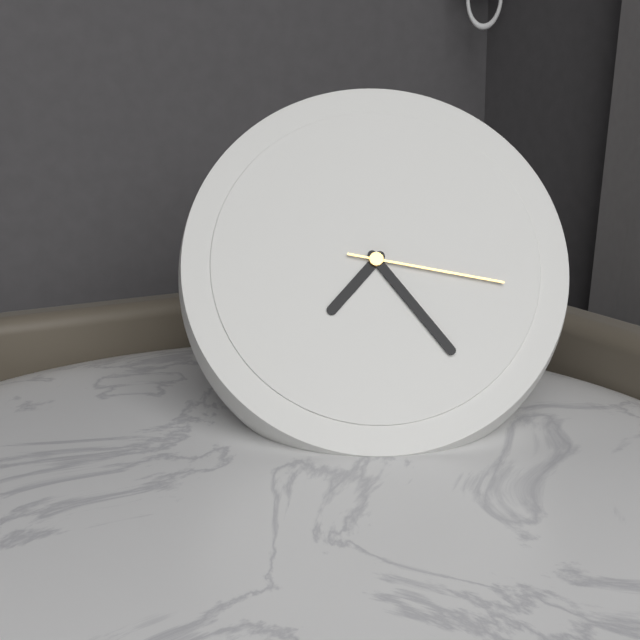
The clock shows 7.24.17
